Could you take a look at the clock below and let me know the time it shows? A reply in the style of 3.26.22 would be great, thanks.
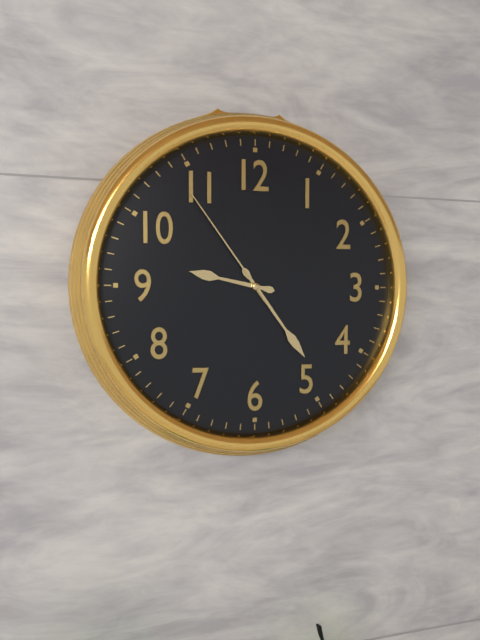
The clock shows 9.24.54
